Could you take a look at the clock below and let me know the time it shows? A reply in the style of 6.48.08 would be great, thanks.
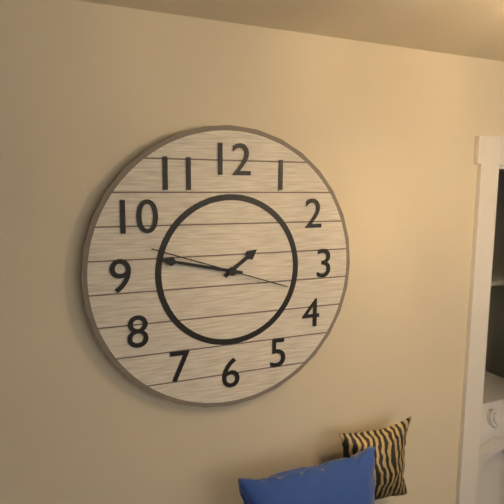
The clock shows 1.47.48
